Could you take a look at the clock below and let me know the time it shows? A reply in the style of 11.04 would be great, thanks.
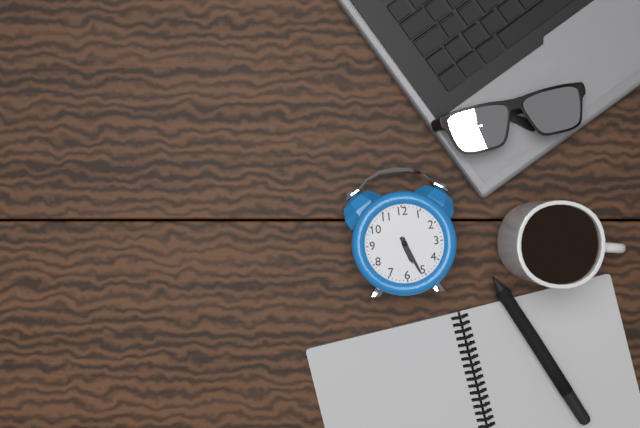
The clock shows 5.26
